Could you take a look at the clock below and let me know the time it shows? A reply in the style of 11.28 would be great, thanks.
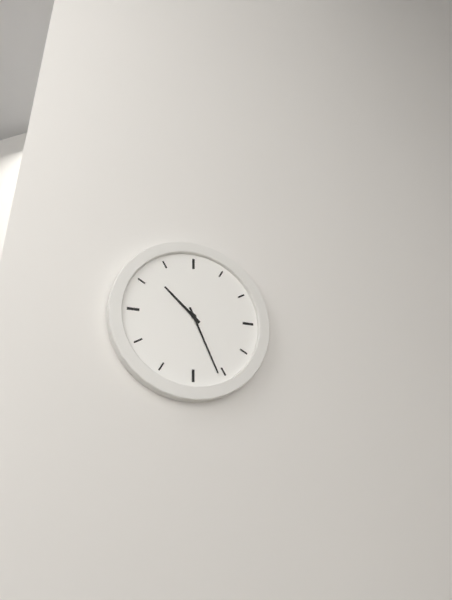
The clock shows 10.26
